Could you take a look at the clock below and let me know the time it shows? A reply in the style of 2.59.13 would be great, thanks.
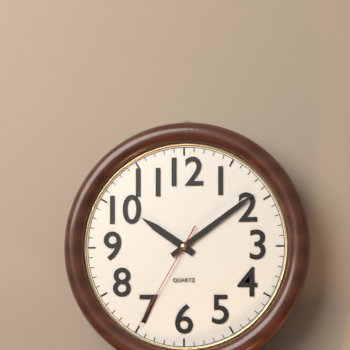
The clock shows 10.09.35
